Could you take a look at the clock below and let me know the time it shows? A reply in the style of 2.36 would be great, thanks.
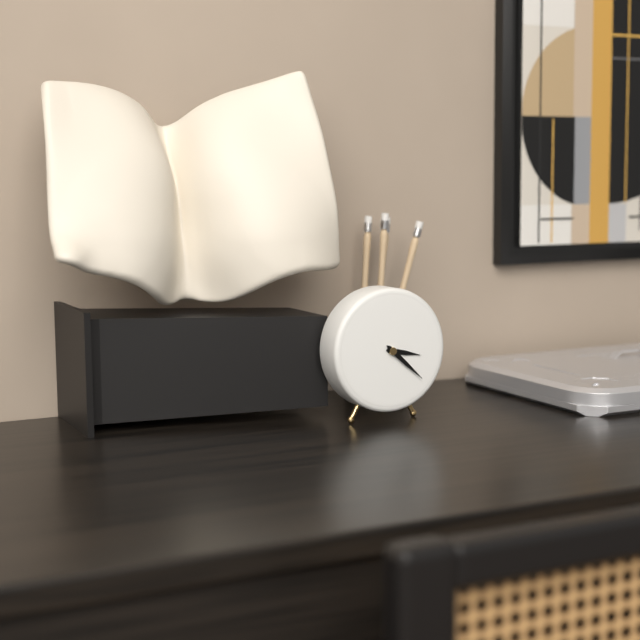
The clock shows 3.22
